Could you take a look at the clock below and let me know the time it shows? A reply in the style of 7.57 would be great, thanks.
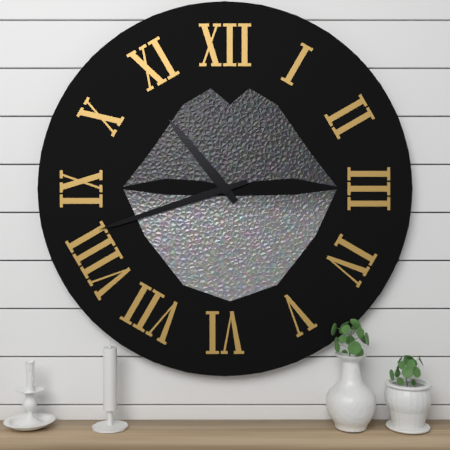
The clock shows 10.42
